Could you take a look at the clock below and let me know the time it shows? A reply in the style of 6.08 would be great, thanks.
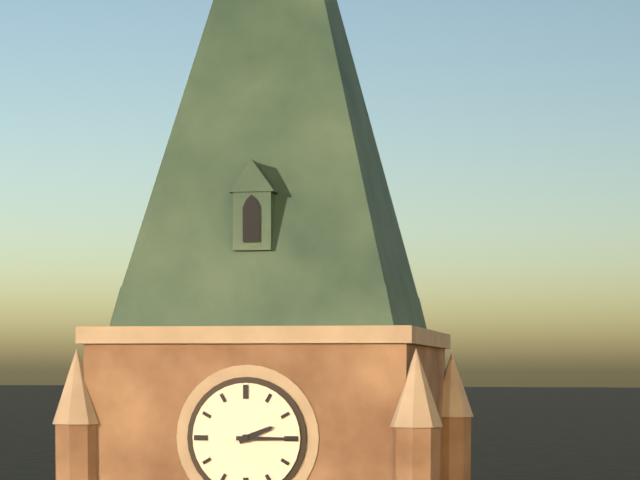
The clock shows 2.15
